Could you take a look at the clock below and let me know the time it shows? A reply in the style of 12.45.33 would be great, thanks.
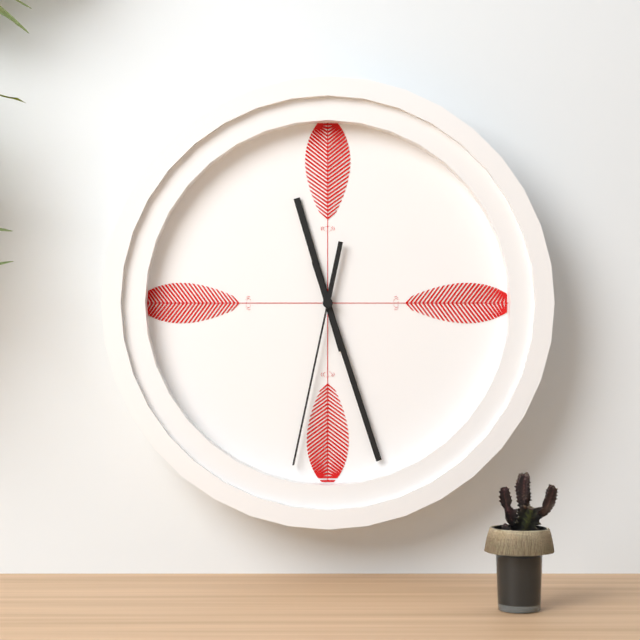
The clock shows 11.27.32
